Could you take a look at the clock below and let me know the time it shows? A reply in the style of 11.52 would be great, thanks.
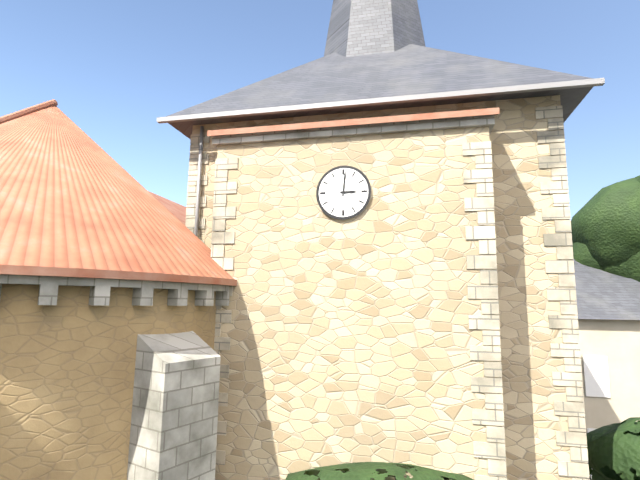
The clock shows 3.01
